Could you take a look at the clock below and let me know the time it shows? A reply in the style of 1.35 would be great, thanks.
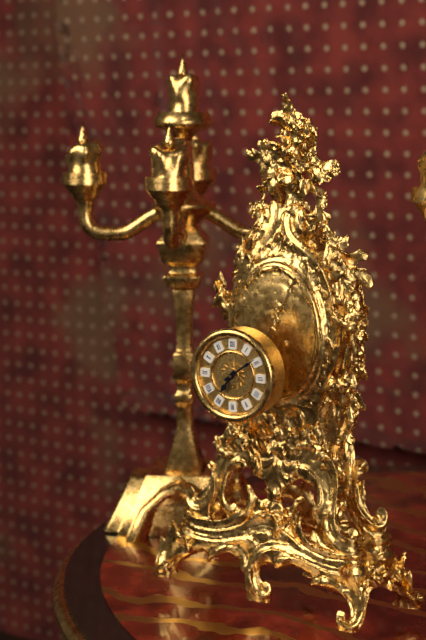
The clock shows 7.09
